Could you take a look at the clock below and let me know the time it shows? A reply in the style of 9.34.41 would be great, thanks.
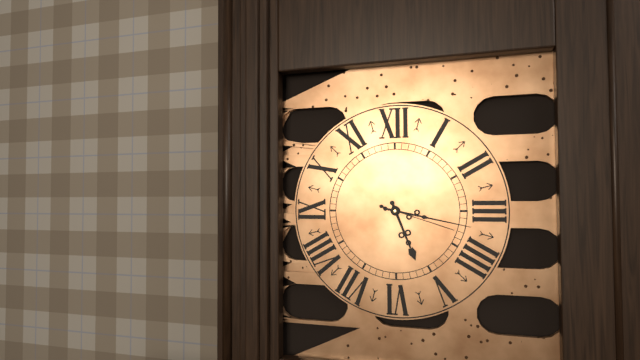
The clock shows 5.17.18
